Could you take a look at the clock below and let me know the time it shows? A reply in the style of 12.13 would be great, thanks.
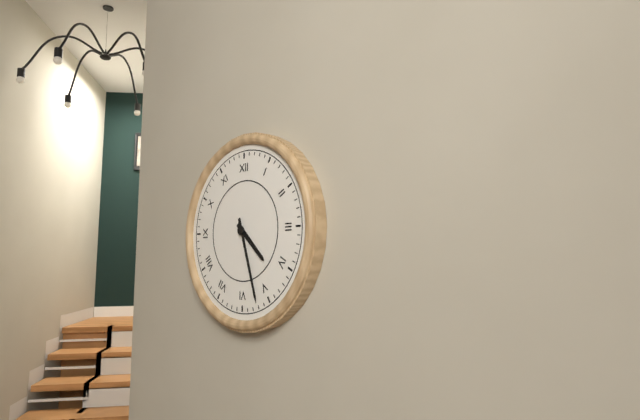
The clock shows 4.27
